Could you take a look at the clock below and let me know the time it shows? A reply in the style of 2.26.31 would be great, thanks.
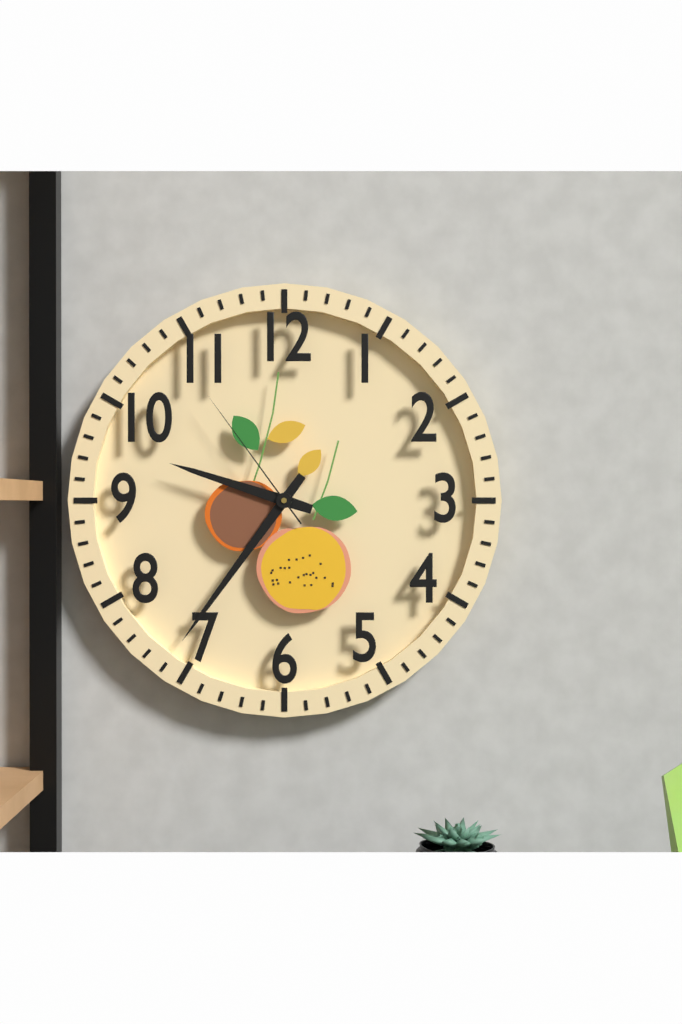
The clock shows 9.36.54
